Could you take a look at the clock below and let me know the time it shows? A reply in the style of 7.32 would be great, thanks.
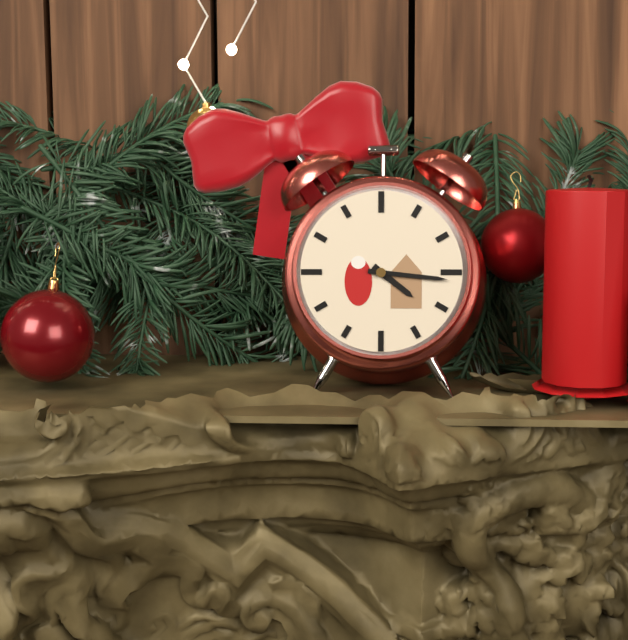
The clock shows 4.16
